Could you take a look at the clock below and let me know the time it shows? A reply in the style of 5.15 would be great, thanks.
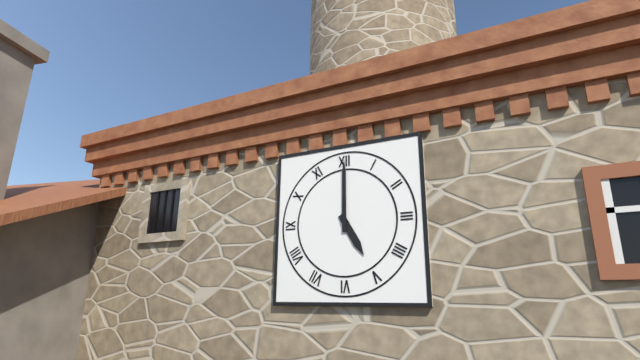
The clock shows 5.00
